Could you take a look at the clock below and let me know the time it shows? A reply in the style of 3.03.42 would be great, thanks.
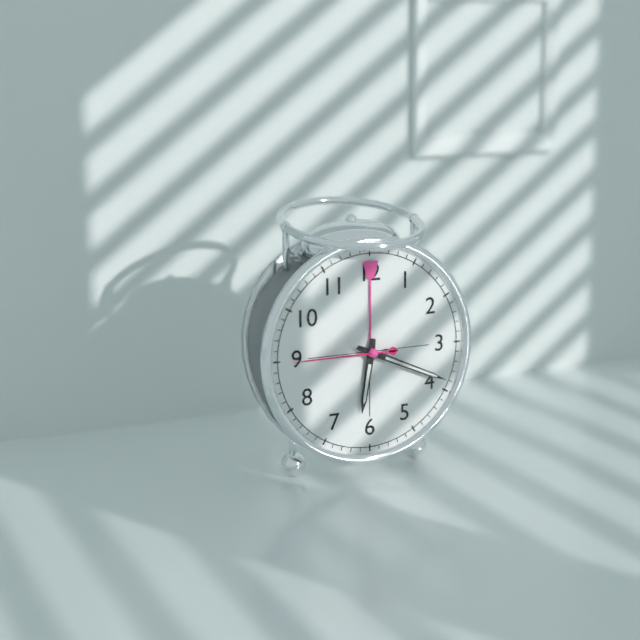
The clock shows 6.19.45
